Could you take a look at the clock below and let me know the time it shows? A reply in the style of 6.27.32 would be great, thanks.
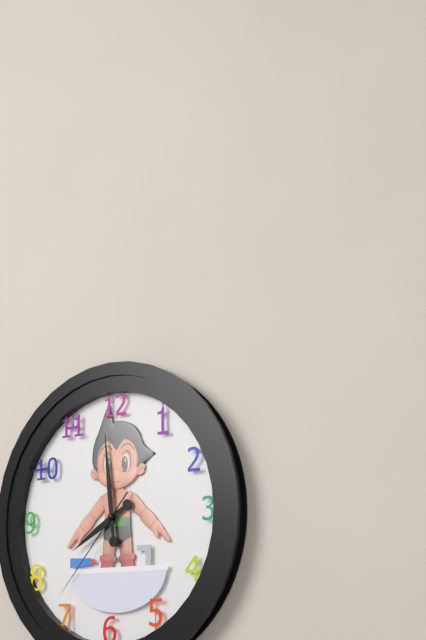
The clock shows 7.59.37
